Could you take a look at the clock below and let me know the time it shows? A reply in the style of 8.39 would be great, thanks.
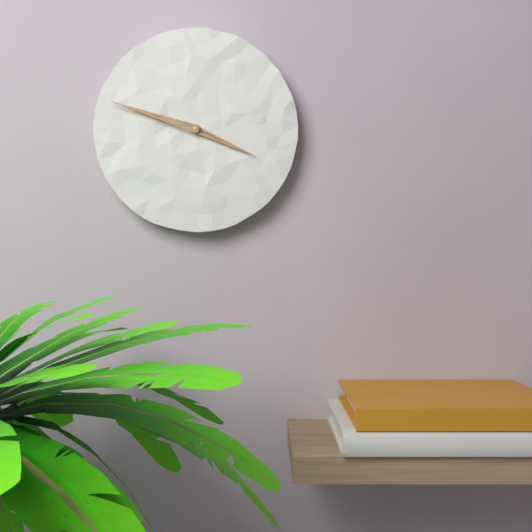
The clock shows 3.48
